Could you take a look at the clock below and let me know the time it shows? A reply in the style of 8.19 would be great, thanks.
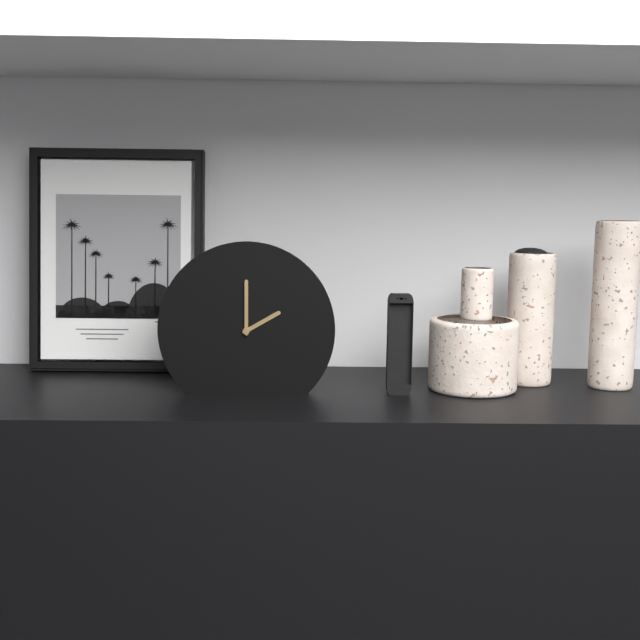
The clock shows 2.00
